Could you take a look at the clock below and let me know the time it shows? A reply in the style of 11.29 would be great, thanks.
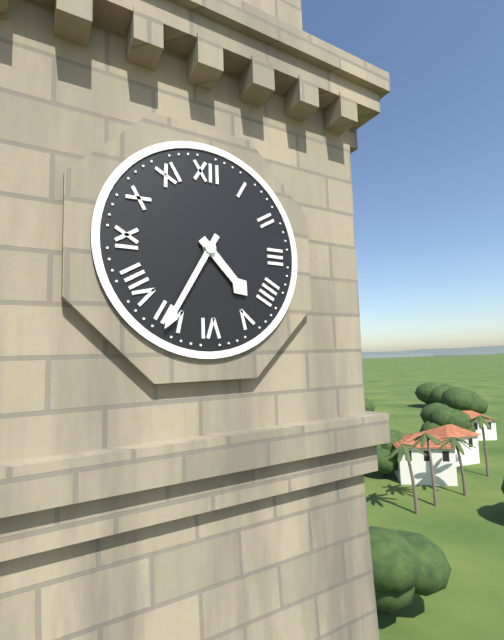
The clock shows 4.35
